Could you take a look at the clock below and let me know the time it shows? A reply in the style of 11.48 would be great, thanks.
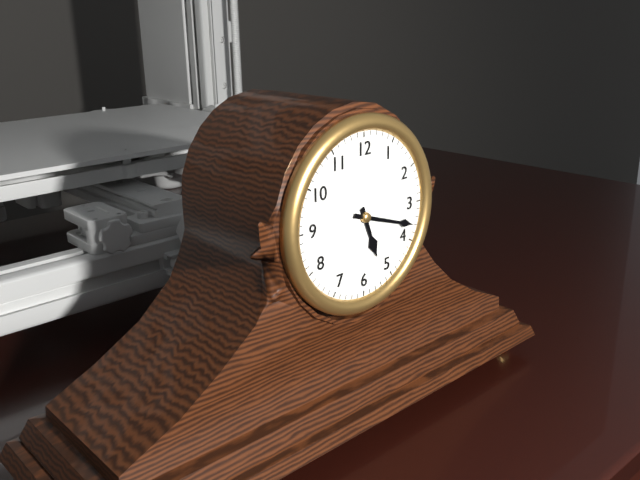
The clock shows 5.18
